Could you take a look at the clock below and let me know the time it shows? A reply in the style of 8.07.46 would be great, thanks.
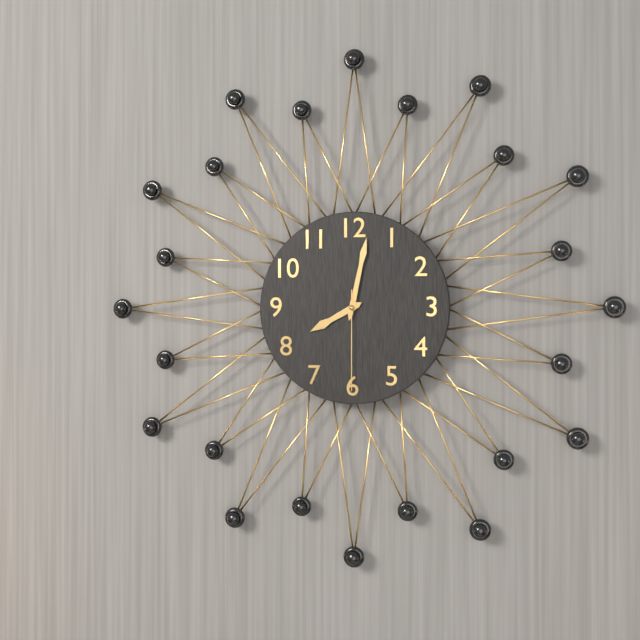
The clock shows 8.02.30
